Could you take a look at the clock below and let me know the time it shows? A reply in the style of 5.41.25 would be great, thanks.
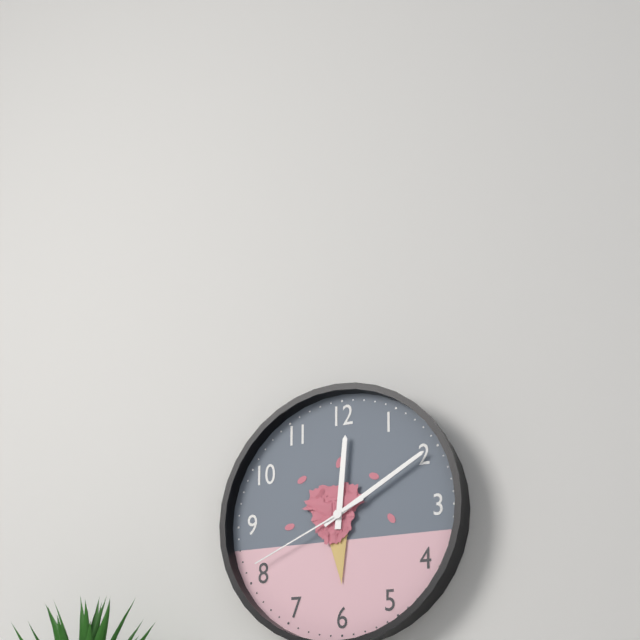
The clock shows 12.10.41
